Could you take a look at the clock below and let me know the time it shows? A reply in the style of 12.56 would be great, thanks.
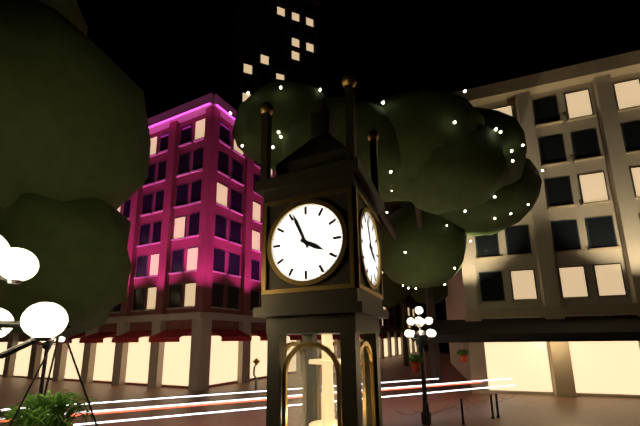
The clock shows 3.56
